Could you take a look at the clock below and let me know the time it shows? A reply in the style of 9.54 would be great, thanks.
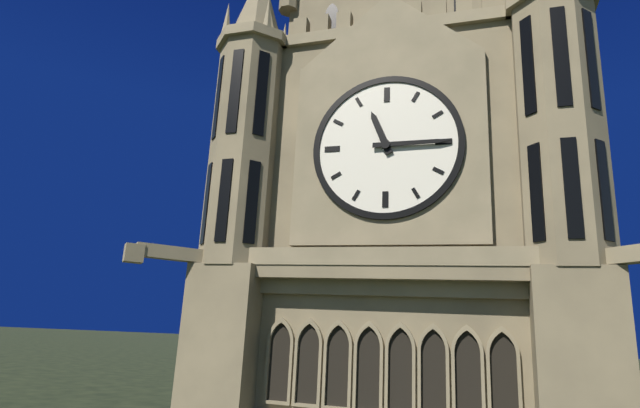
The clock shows 11.15
